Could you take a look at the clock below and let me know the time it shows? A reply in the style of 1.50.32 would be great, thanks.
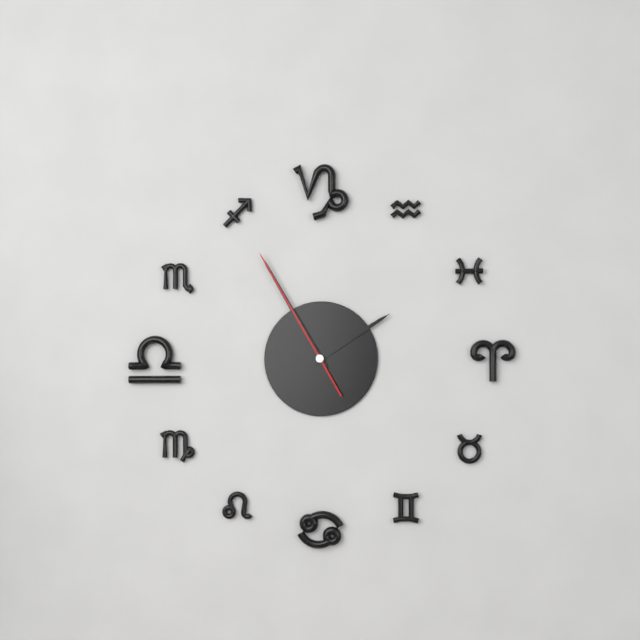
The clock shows 1.55.55
